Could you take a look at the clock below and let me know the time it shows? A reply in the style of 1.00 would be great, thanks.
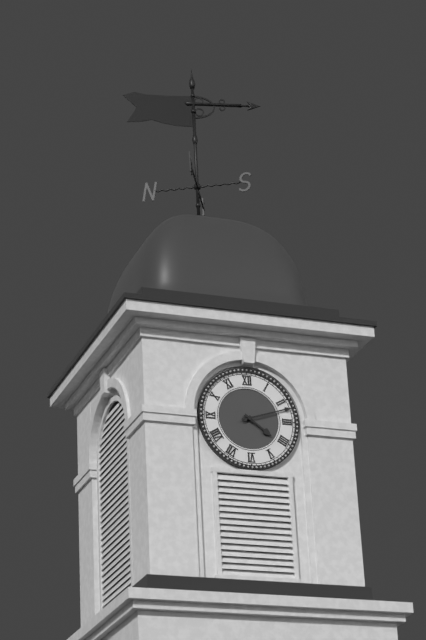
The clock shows 4.12
